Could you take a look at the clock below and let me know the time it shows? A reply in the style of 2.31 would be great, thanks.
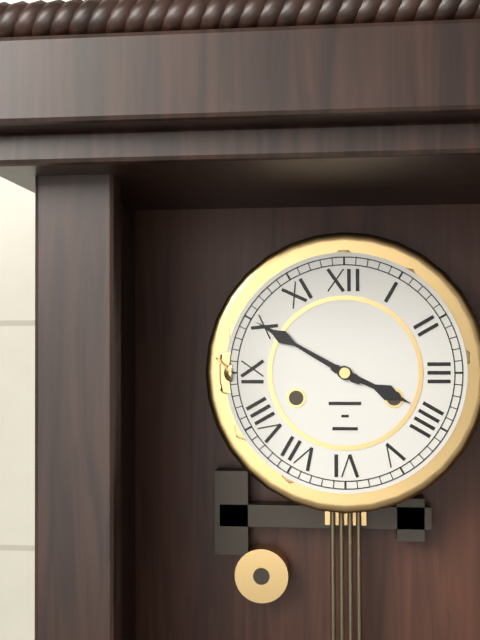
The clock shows 3.50
